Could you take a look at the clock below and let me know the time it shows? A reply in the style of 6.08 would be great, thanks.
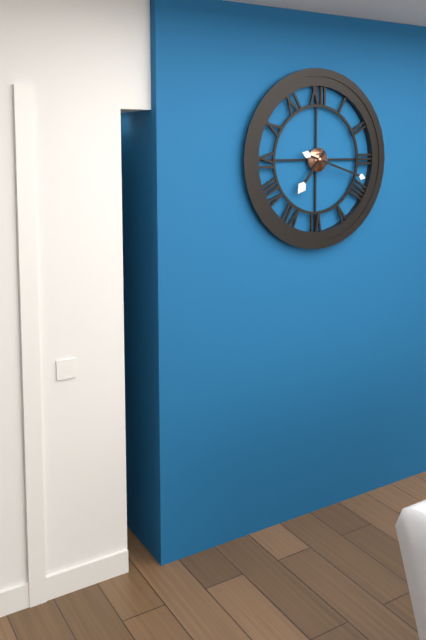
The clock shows 7.18
